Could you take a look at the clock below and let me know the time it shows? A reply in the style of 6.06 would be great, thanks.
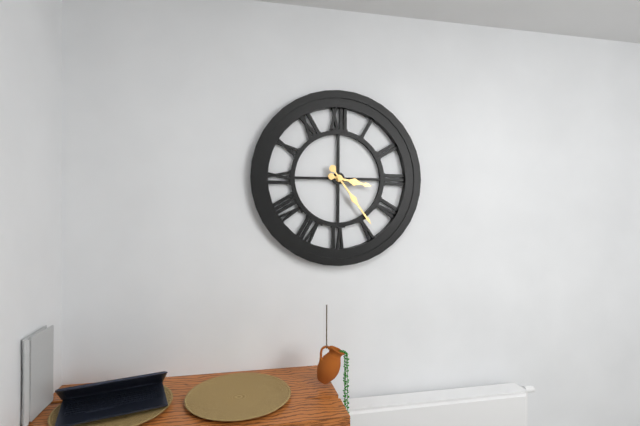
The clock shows 3.24
